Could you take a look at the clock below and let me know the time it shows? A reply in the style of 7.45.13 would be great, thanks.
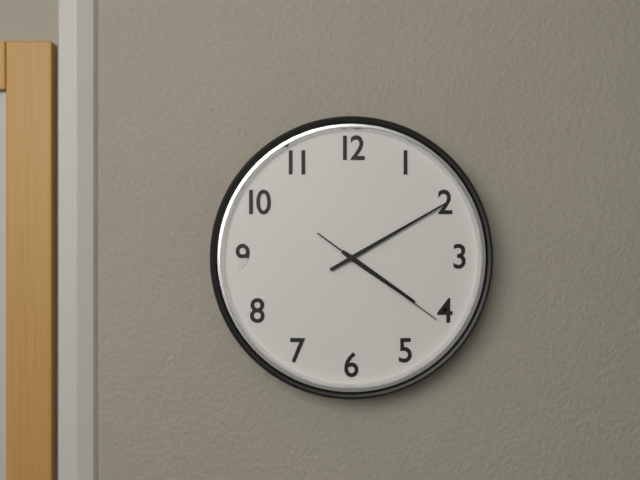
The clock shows 4.10.21
